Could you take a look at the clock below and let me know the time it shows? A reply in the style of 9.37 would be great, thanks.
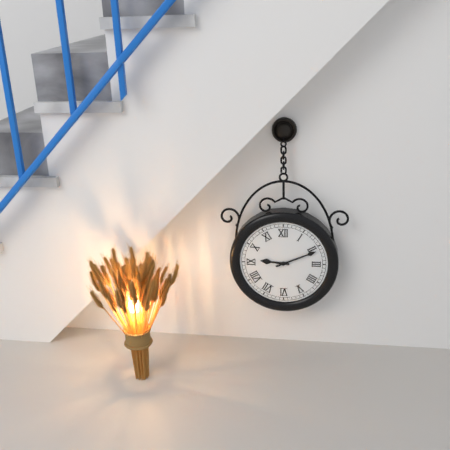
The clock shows 9.11
